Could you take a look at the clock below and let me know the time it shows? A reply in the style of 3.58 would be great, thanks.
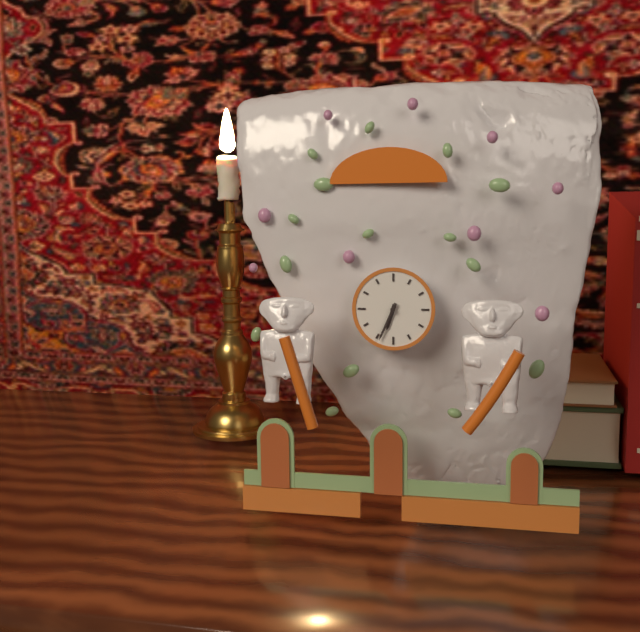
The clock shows 6.34
